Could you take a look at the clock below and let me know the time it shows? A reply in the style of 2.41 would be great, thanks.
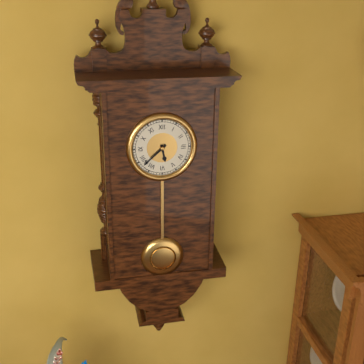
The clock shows 5.38
